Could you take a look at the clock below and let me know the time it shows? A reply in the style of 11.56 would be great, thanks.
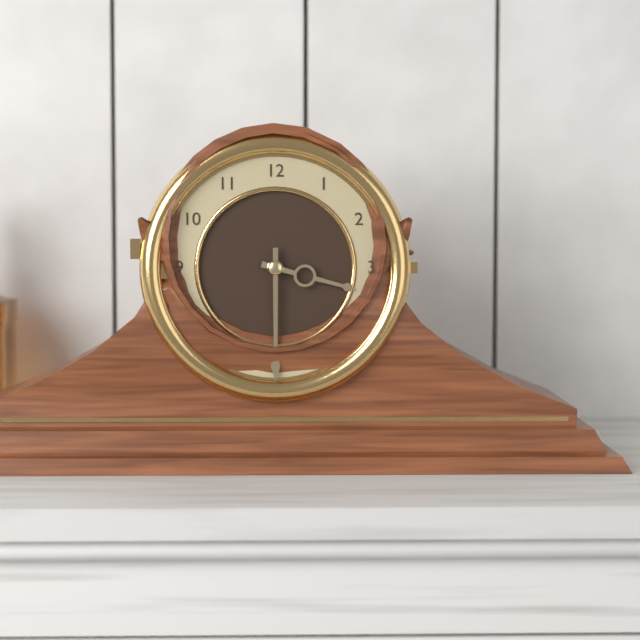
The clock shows 3.30
